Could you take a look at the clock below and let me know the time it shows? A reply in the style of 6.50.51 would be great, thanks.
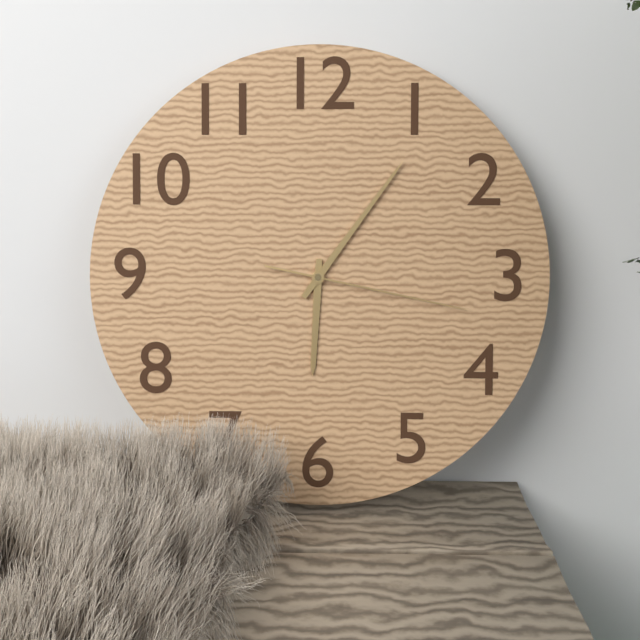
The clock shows 6.06.17
